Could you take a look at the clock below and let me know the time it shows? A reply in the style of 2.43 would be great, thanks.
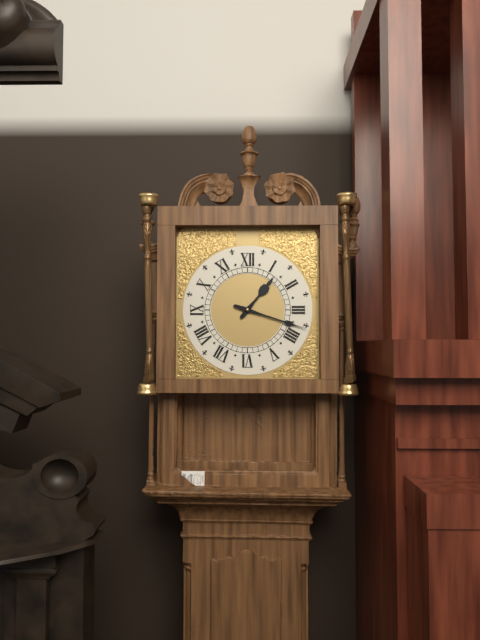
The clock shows 1.18
